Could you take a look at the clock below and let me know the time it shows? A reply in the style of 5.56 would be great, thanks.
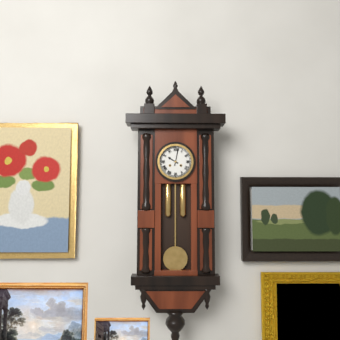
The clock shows 10.02
